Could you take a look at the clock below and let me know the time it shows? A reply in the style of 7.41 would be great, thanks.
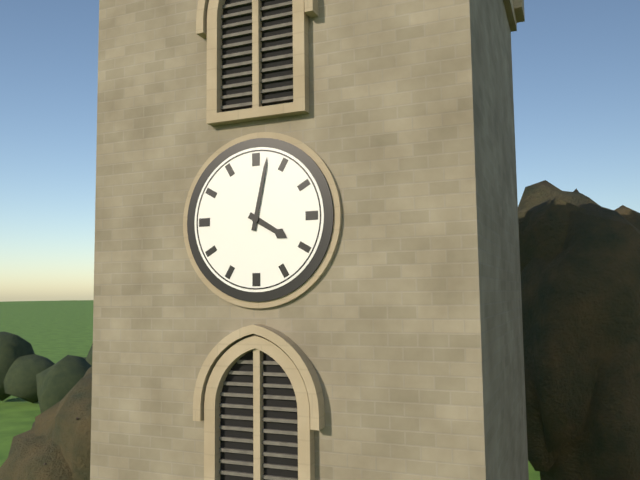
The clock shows 4.02
